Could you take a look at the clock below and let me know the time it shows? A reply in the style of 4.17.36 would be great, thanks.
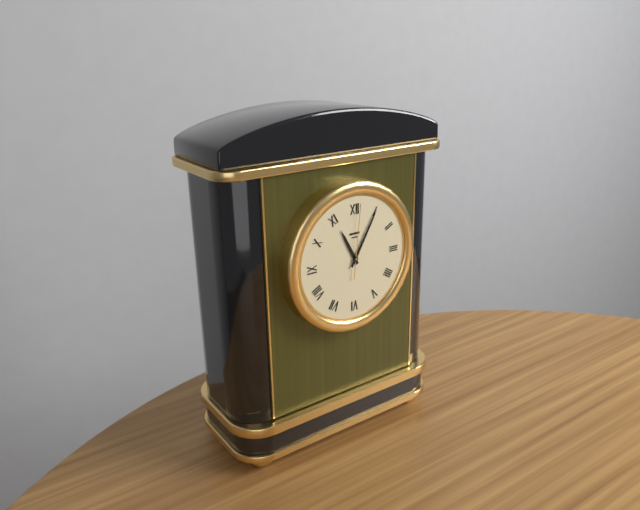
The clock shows 11.05.01
